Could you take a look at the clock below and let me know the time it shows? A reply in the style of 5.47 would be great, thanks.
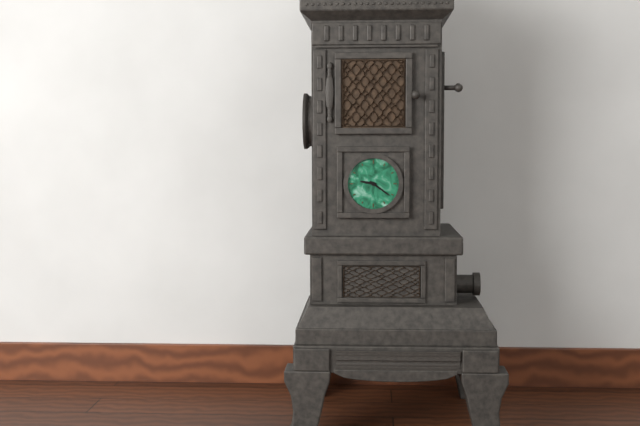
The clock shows 9.21
